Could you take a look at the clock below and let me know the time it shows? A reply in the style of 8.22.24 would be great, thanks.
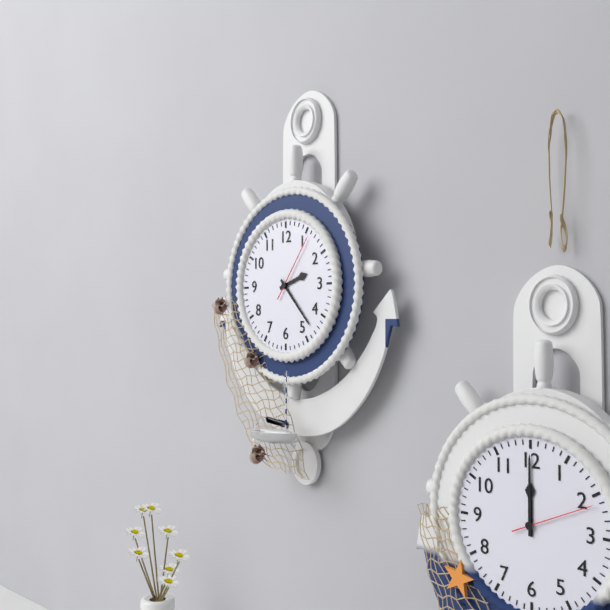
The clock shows 2.23.06
